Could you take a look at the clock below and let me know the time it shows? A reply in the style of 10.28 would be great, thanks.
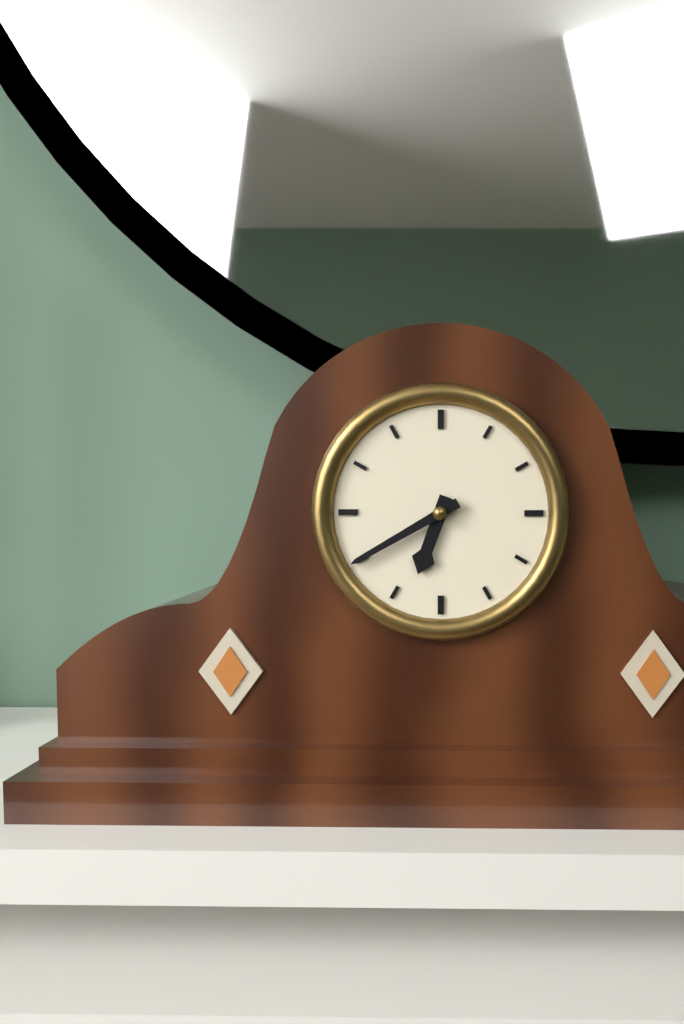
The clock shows 6.40
